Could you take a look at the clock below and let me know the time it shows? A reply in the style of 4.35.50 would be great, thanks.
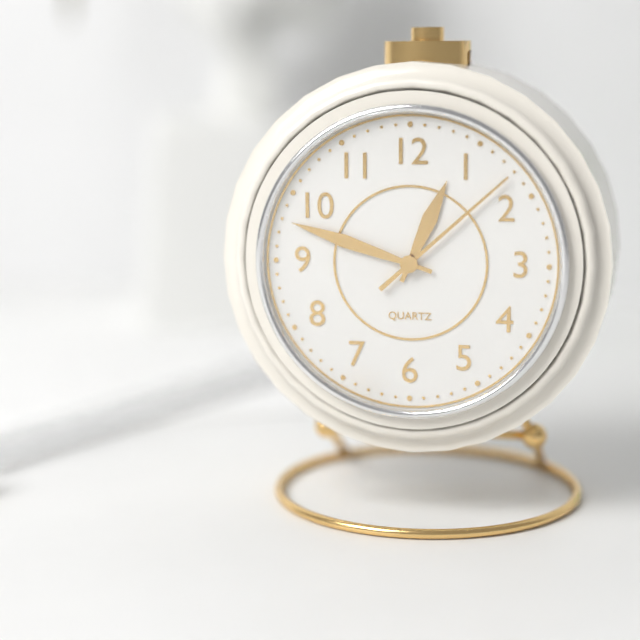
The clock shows 12.48.08
